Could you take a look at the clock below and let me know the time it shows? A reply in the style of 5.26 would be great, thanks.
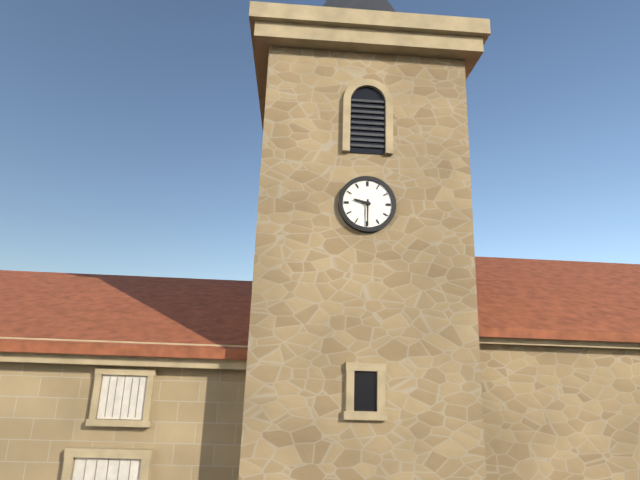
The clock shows 9.30
